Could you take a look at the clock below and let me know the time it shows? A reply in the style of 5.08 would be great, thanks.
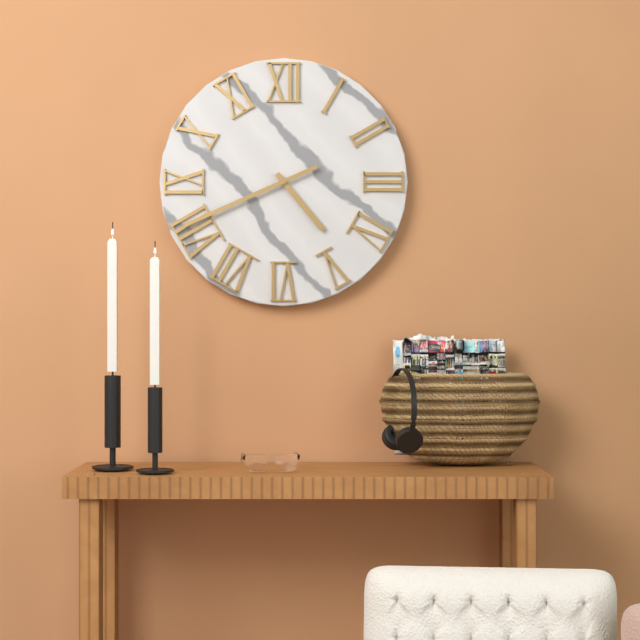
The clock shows 4.41
